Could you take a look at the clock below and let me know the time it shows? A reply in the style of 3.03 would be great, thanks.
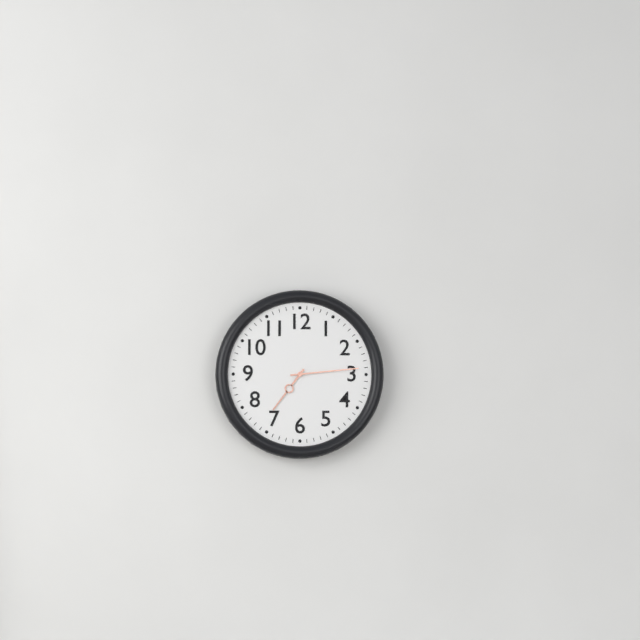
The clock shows 7.14
